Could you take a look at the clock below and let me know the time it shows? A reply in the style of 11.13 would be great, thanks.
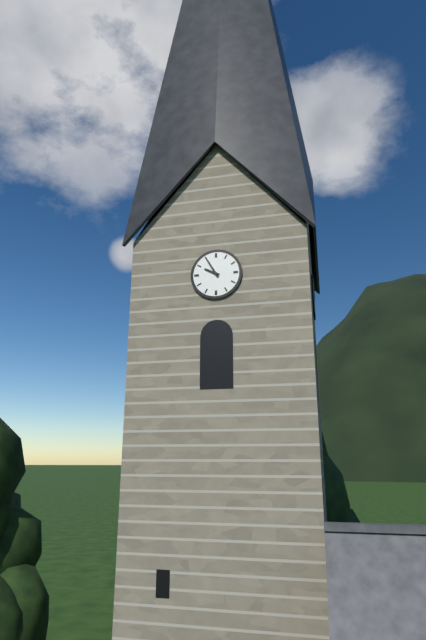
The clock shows 9.55
